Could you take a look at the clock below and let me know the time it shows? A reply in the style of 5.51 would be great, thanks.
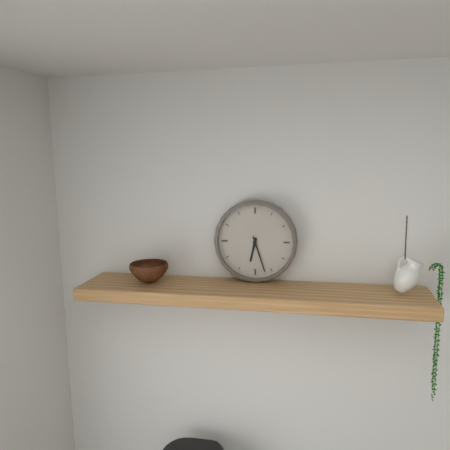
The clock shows 6.27
